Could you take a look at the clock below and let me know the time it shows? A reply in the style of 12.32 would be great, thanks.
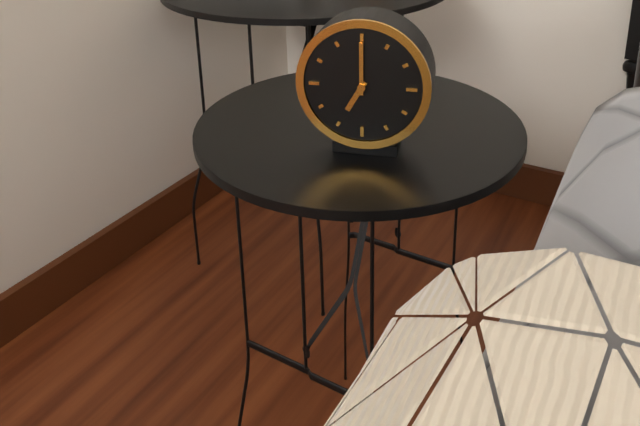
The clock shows 7.00
